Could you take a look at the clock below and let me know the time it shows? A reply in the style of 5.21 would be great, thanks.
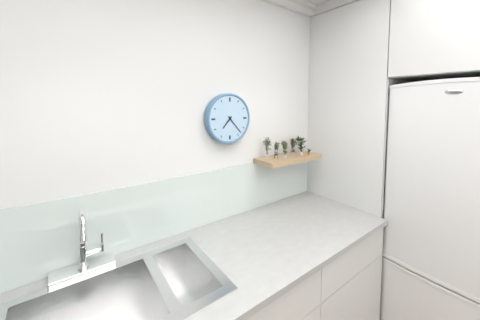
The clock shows 7.23
